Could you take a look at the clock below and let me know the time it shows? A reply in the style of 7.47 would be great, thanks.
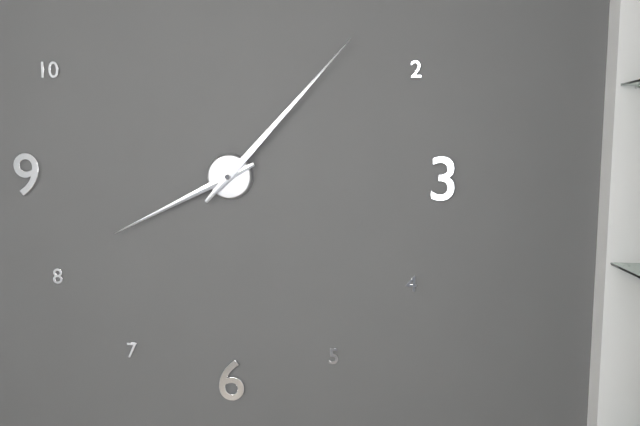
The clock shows 8.07
